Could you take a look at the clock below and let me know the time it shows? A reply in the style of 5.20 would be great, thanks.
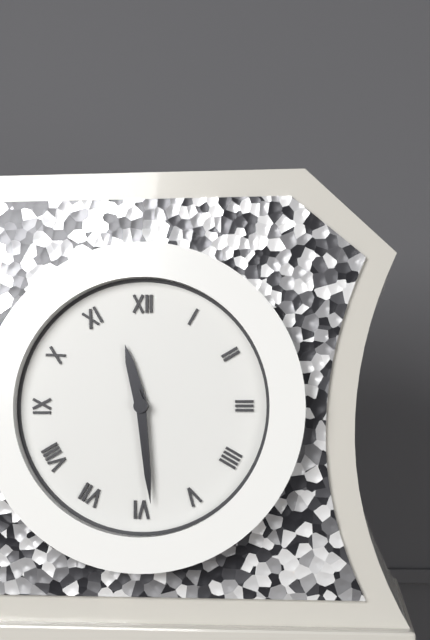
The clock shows 11.29
